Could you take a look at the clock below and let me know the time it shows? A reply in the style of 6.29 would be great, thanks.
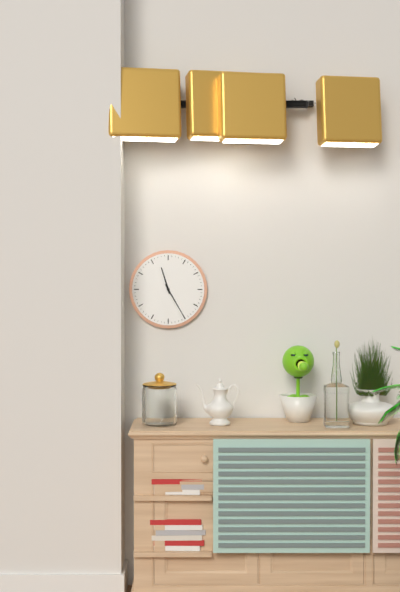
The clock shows 11.25
